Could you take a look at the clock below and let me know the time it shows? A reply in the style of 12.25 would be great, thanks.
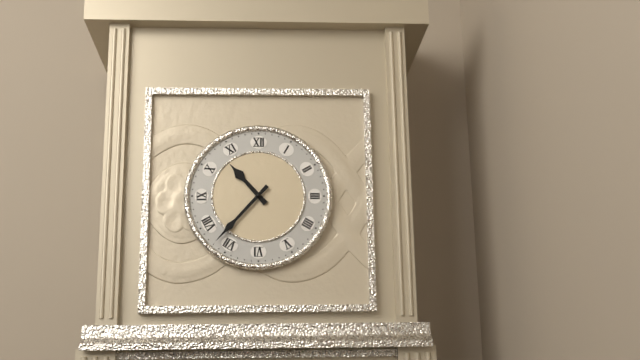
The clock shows 10.37
